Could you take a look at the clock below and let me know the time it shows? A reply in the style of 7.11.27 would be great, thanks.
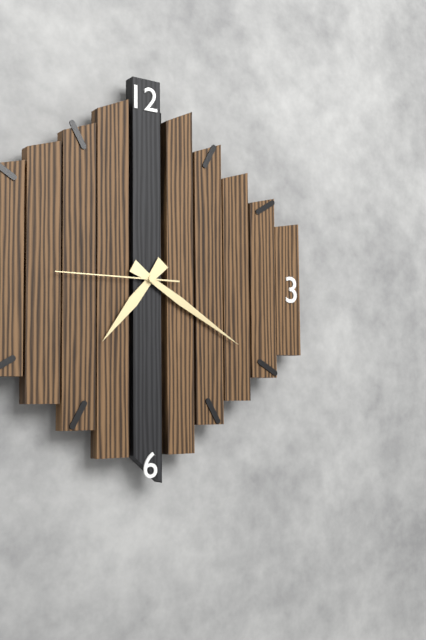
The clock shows 7.20.45
